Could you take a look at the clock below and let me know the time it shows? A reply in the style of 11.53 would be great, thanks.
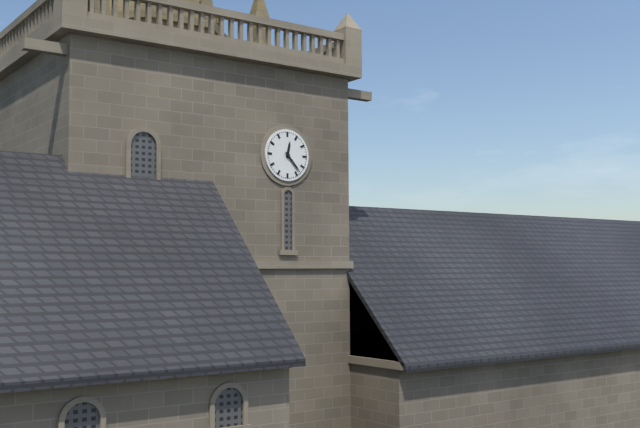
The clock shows 12.23
